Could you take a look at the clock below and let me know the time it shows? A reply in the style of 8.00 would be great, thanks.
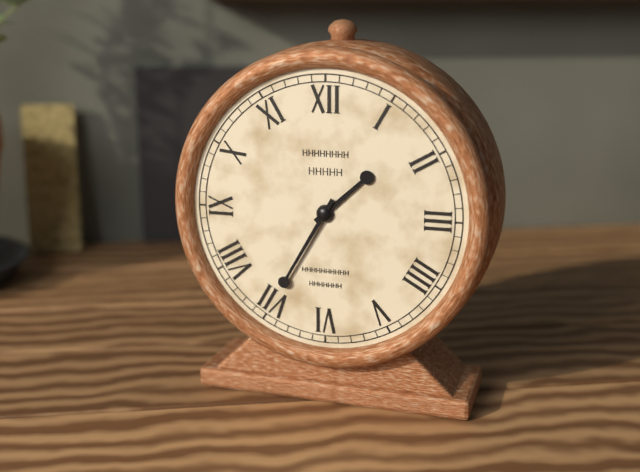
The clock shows 1.35
